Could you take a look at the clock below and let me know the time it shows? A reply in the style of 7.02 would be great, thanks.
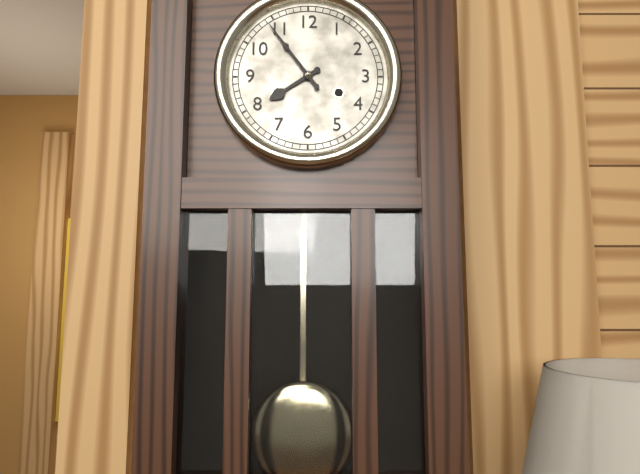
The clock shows 7.54
